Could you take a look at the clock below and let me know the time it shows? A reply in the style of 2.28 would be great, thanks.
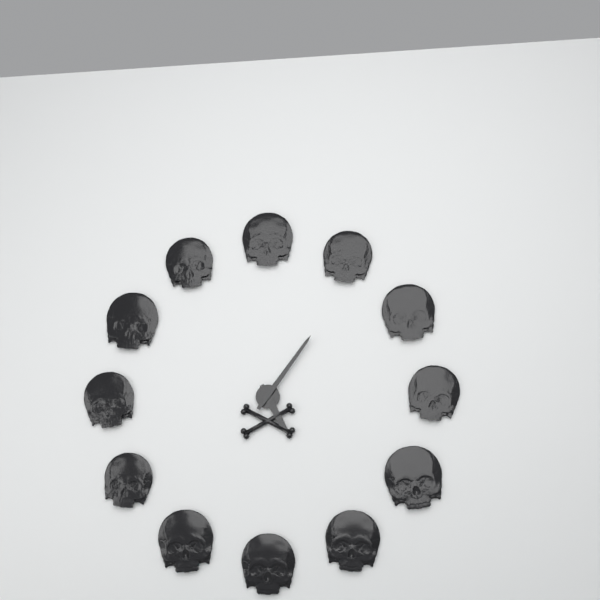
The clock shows 5.06
